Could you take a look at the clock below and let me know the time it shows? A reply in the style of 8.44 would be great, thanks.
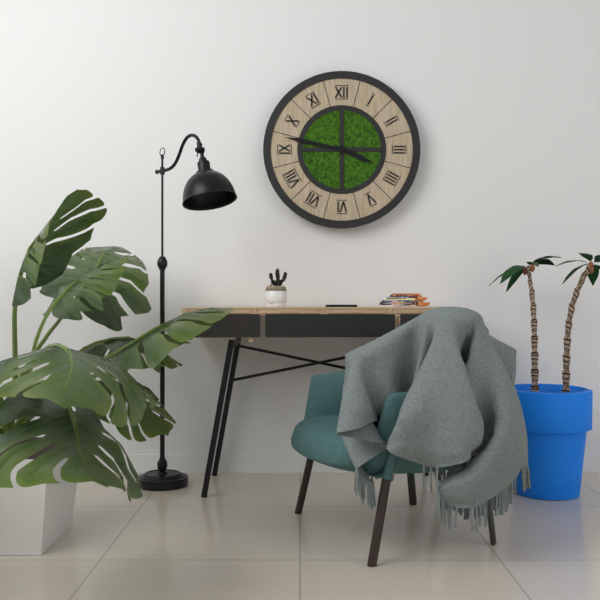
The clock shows 3.47
